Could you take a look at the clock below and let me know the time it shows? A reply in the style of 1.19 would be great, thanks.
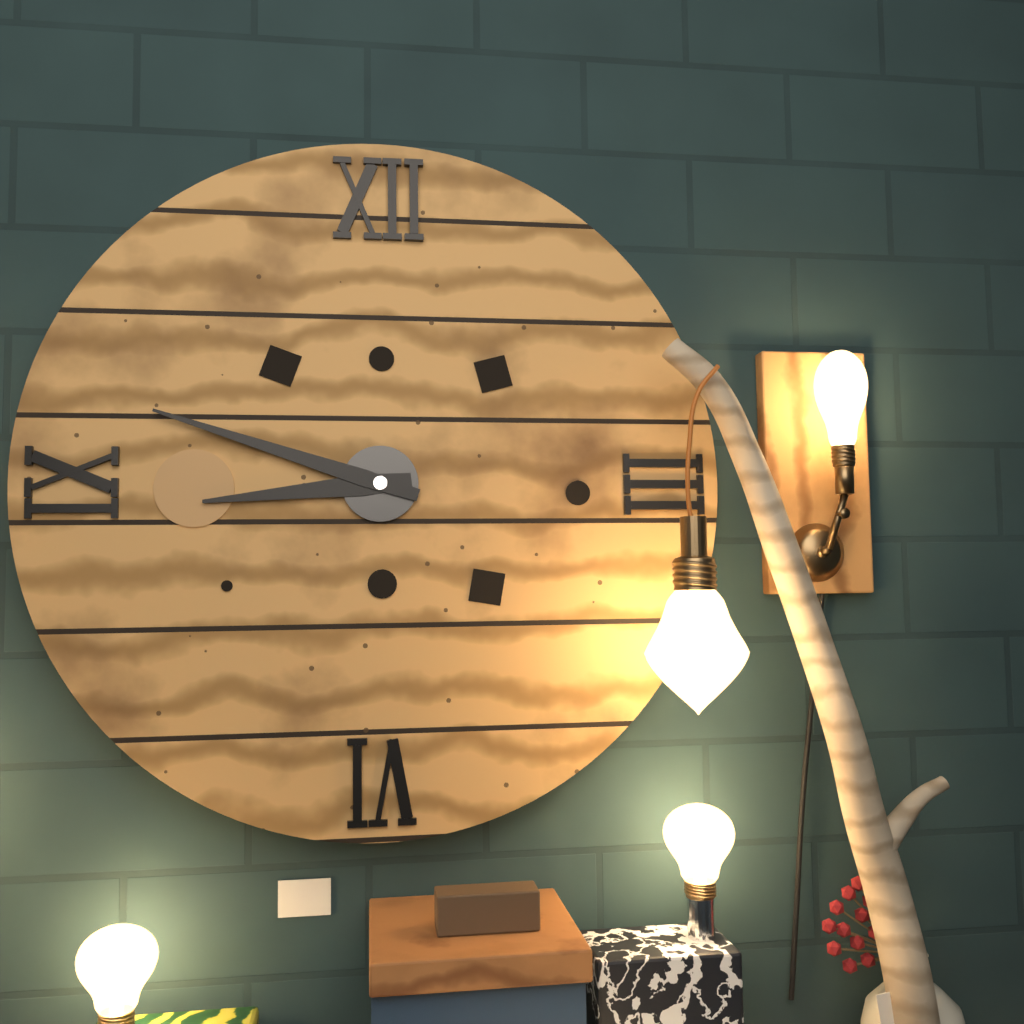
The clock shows 8.48
